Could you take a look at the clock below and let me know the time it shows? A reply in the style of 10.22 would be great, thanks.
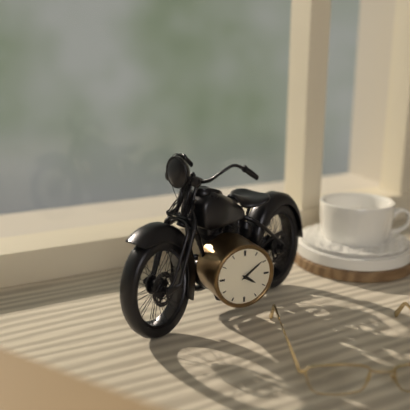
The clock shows 4.09
